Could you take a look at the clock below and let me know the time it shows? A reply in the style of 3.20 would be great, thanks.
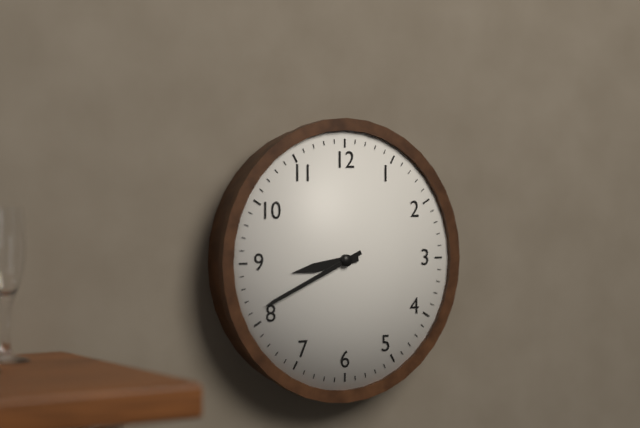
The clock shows 8.41
